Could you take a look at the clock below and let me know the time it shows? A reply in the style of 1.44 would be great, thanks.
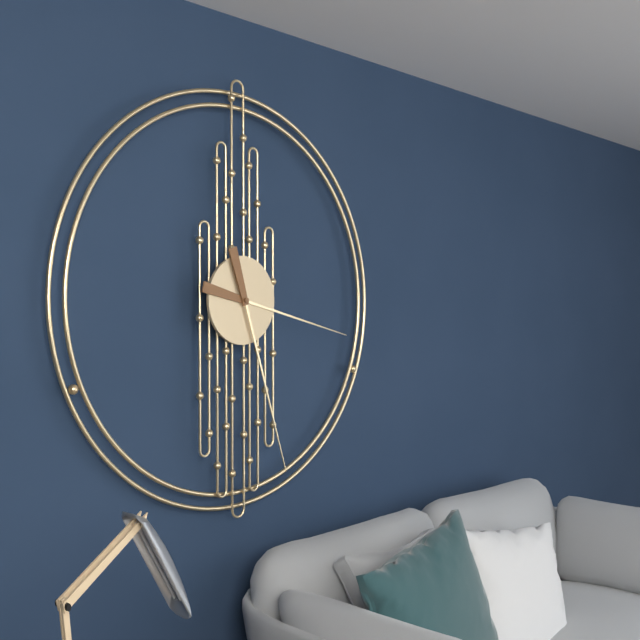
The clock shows 3.27
